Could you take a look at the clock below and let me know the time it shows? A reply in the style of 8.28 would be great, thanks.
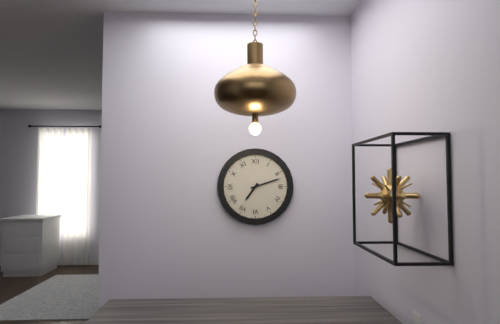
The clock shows 7.12
